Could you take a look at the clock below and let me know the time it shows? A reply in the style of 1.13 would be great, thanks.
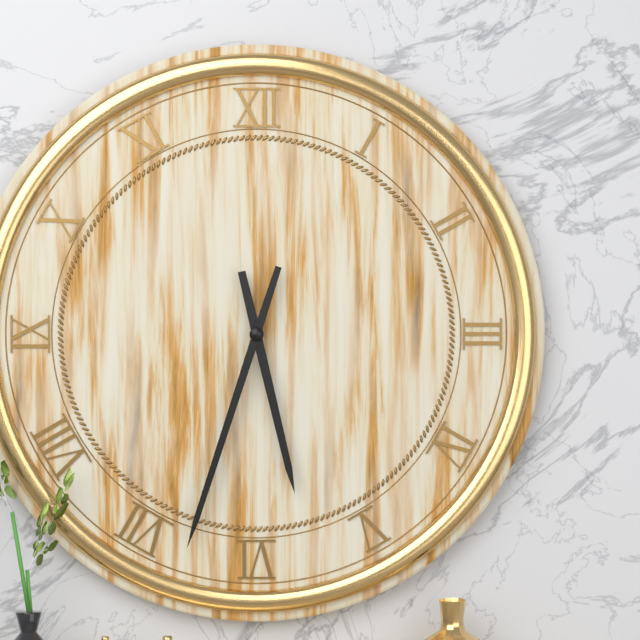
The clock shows 5.33
